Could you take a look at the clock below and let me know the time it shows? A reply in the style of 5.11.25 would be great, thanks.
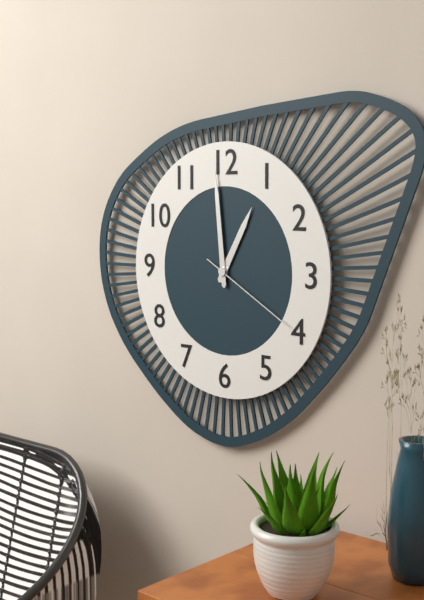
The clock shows 12.59.20
